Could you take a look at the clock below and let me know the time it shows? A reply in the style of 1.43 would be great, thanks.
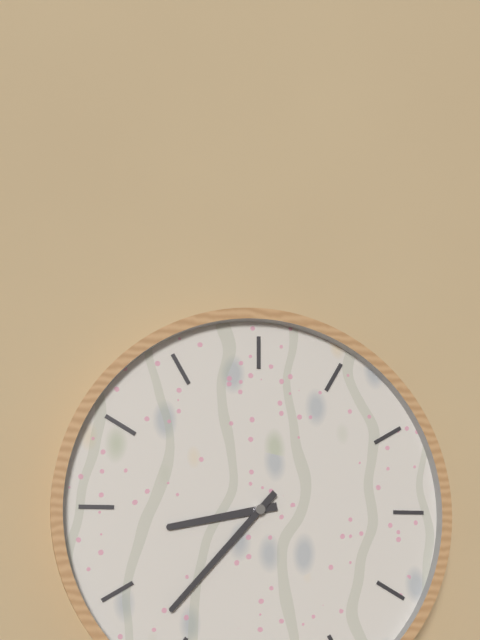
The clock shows 8.37
